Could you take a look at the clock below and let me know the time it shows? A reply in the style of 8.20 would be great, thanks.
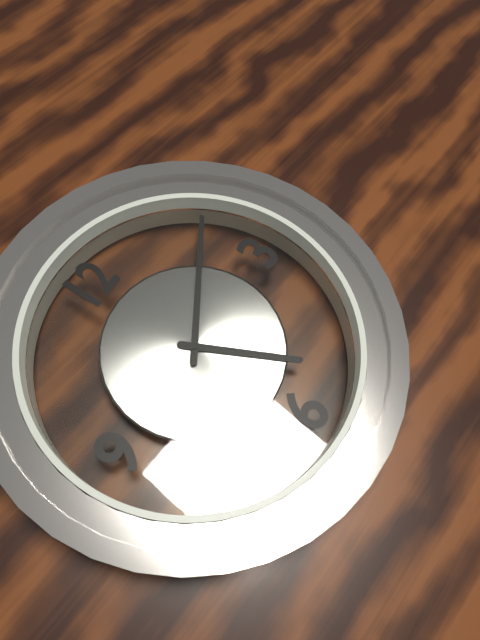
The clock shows 5.10
